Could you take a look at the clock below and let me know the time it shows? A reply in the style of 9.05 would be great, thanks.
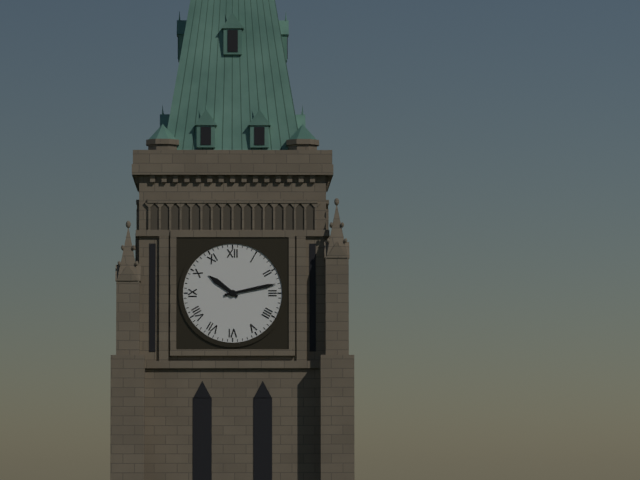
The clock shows 10.13
